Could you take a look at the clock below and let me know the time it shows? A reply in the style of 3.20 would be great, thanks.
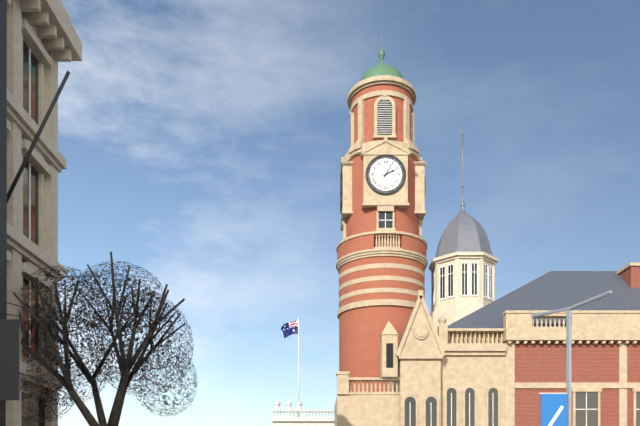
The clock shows 2.05
